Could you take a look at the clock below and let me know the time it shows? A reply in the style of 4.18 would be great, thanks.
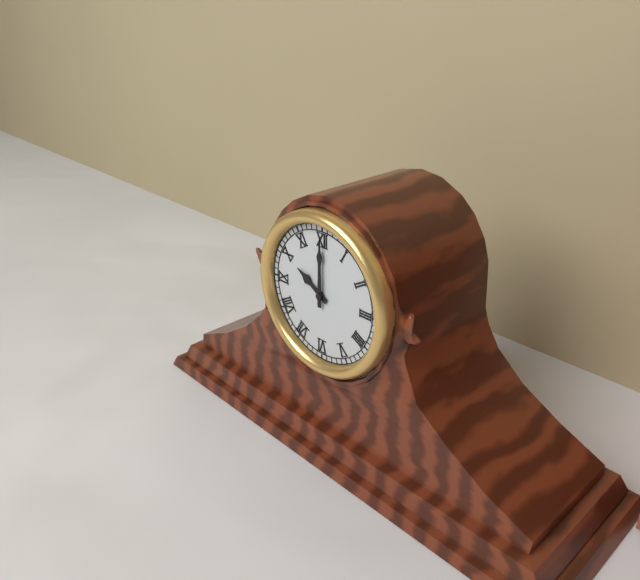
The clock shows 10.00
